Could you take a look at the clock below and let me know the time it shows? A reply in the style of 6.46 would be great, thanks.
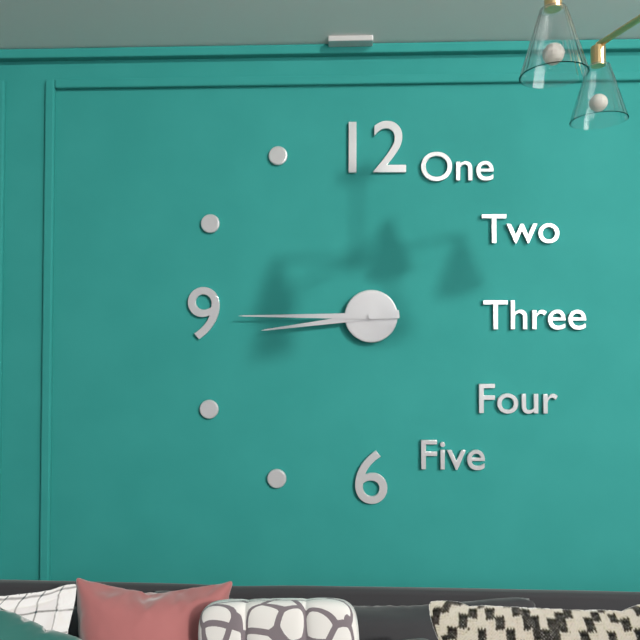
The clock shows 8.45
